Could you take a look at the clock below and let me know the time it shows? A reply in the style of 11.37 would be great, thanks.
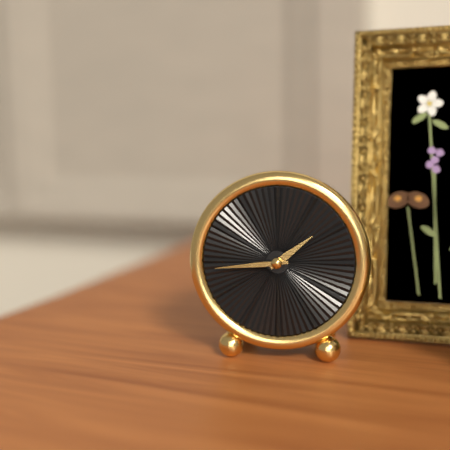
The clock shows 1.44
